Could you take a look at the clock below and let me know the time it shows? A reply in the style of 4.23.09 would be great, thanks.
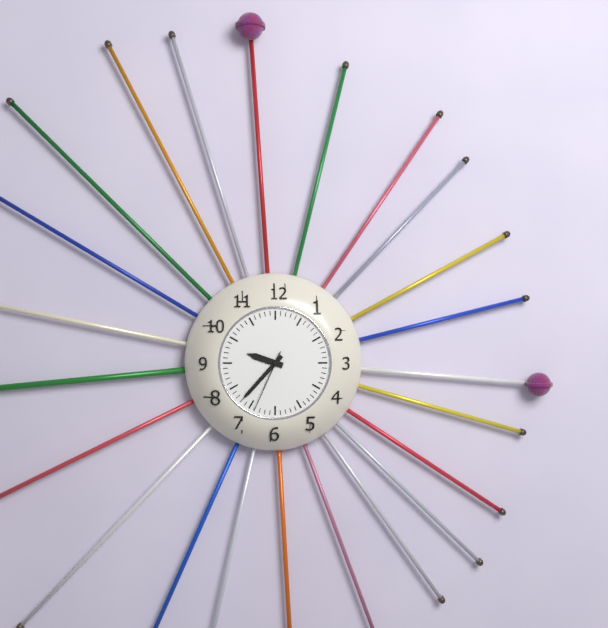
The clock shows 9.37.34
